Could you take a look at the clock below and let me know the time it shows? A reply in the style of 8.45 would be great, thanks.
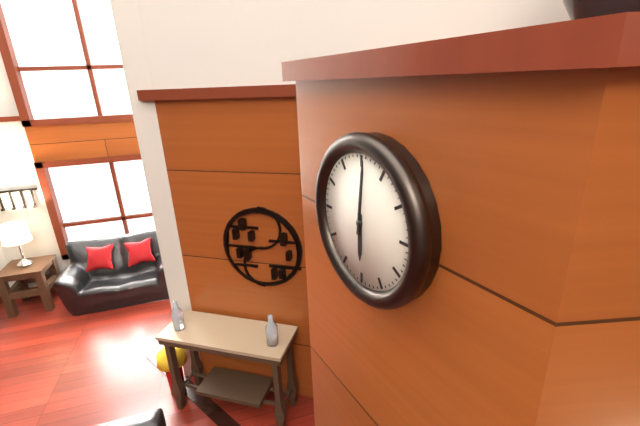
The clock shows 6.01
